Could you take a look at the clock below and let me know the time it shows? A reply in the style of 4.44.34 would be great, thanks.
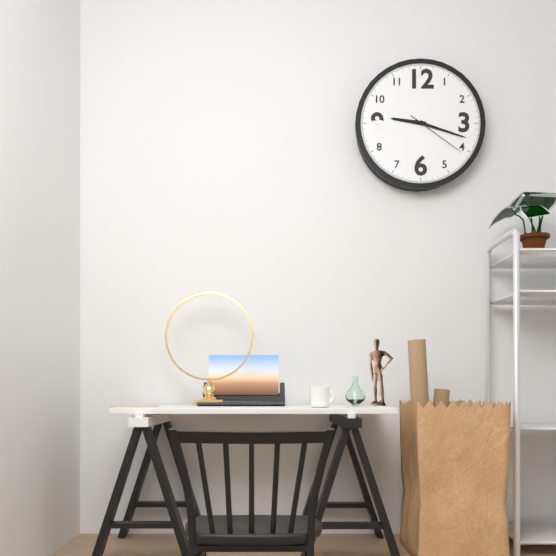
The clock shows 9.18.21
